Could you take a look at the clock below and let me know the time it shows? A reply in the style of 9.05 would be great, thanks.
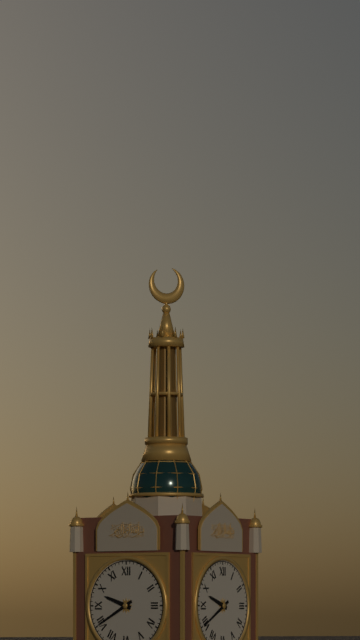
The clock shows 9.40
